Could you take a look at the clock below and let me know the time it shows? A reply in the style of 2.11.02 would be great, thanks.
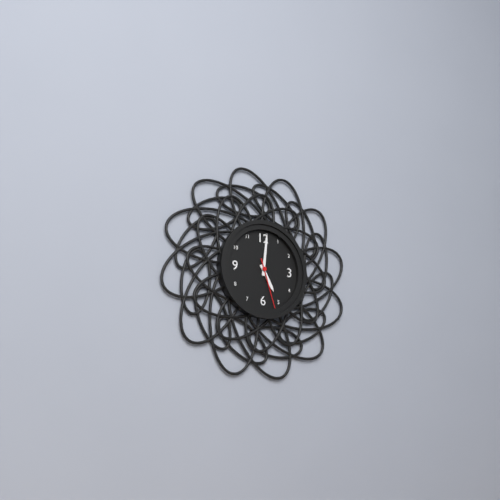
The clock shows 5.01.27
